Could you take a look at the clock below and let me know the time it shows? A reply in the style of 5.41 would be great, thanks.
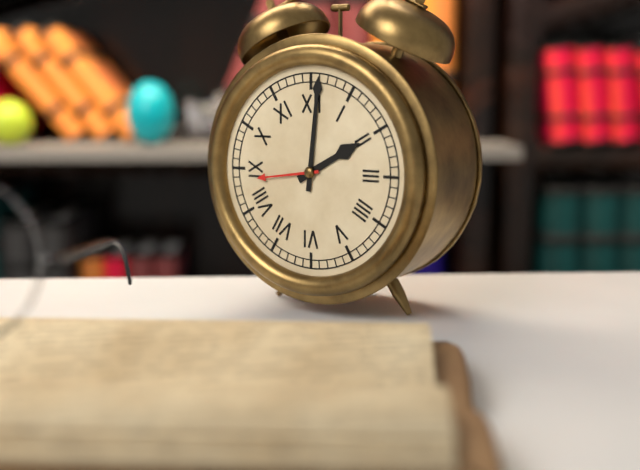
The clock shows 2.01
